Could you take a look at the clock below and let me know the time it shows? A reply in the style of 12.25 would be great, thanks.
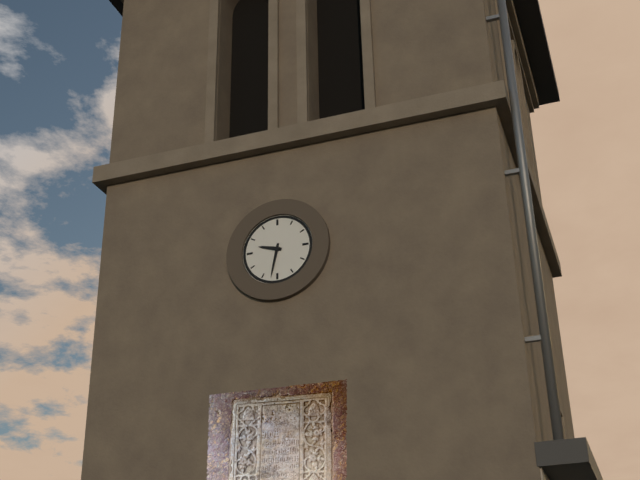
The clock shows 9.32
